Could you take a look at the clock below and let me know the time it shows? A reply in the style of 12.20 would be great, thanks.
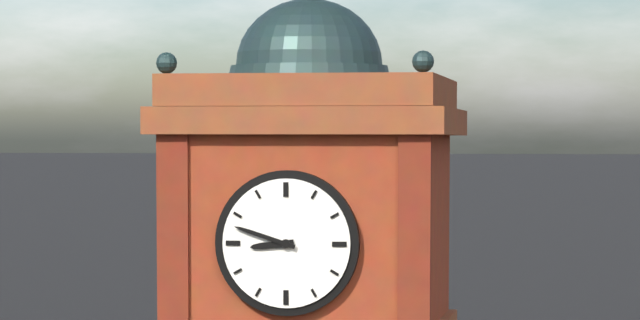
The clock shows 8.48
